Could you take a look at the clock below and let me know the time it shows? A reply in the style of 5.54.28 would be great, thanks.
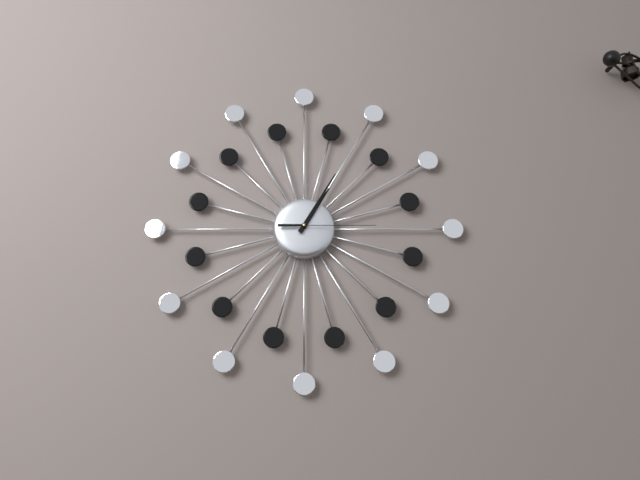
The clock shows 1.05.15
